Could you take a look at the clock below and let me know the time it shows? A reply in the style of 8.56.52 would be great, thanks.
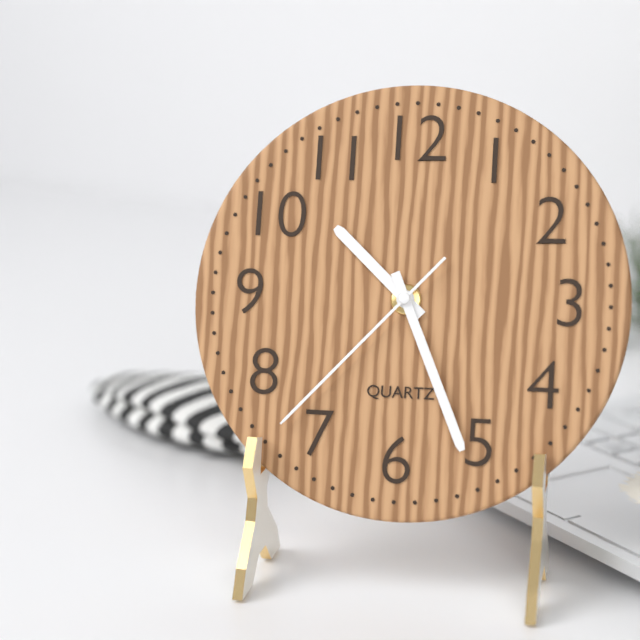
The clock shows 10.26.37
